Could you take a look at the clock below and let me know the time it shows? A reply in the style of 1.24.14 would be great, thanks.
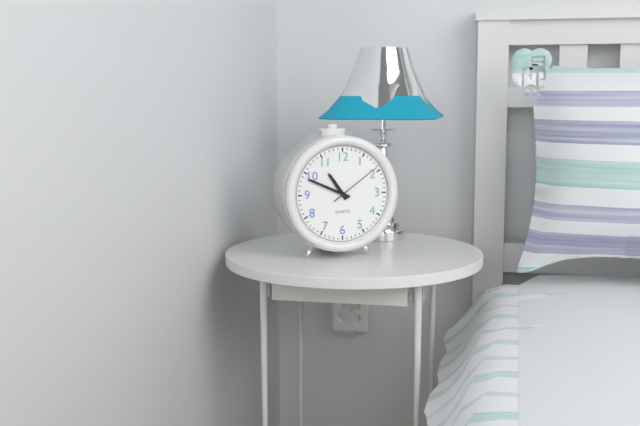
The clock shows 10.49.09
